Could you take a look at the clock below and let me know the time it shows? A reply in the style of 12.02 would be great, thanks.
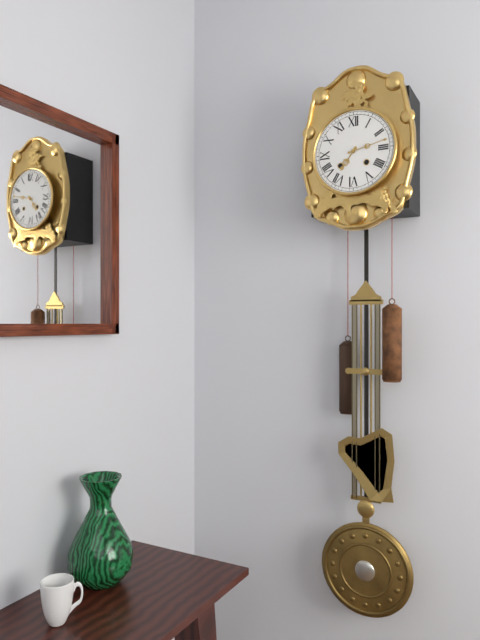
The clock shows 7.13
